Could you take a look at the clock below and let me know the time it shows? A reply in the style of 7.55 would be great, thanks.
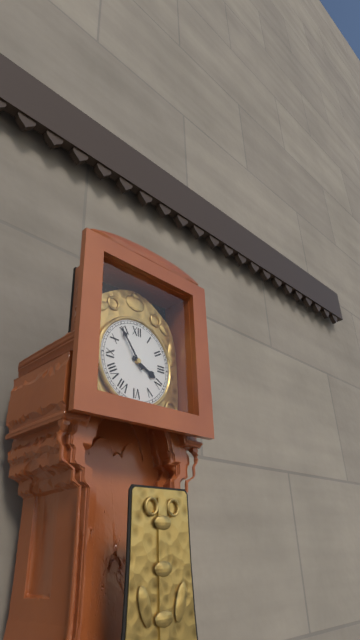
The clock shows 3.54
